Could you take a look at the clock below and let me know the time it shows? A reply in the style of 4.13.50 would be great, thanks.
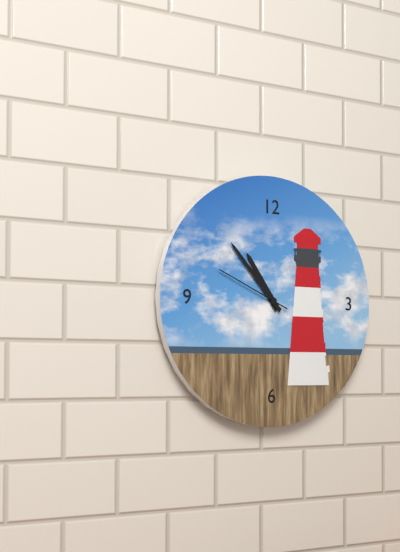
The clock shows 10.53.49
